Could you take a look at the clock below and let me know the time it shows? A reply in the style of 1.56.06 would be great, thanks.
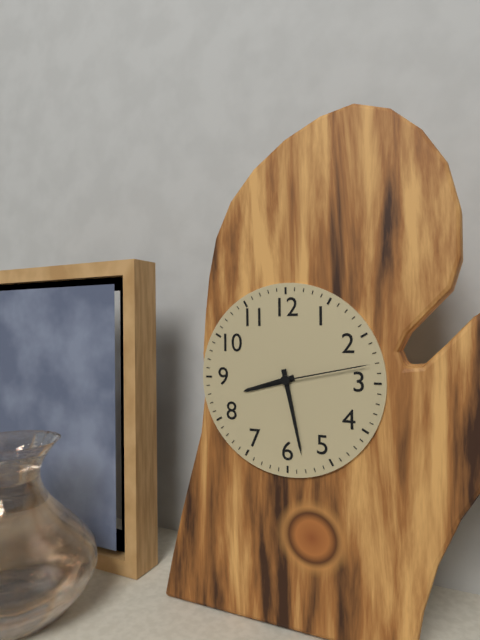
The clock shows 8.28.13
